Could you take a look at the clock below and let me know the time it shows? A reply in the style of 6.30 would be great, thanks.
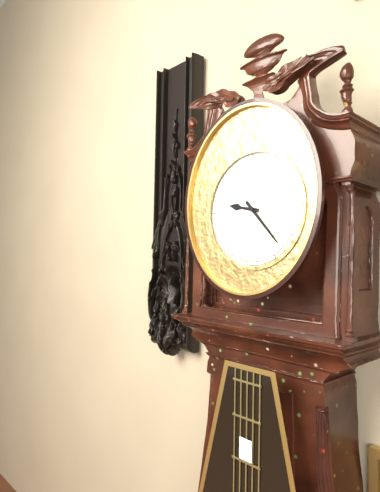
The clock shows 9.23
